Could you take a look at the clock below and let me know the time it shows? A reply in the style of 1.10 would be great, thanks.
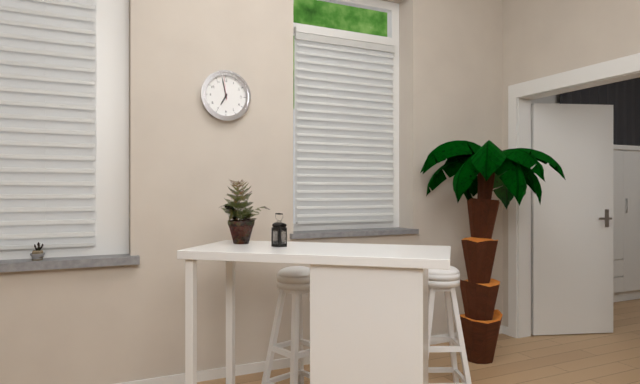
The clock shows 6.58
